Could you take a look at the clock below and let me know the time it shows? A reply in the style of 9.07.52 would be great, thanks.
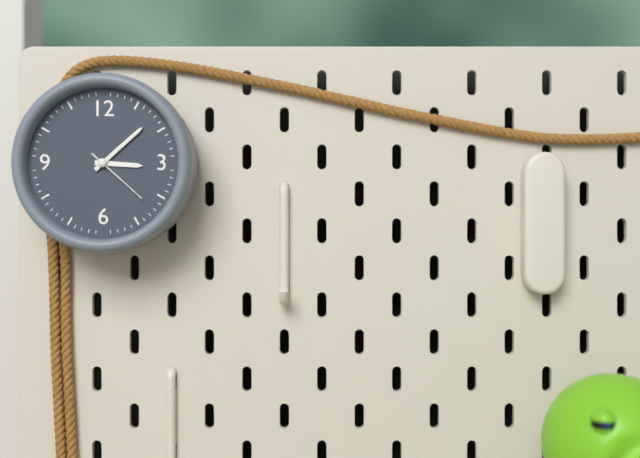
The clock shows 3.08.22
